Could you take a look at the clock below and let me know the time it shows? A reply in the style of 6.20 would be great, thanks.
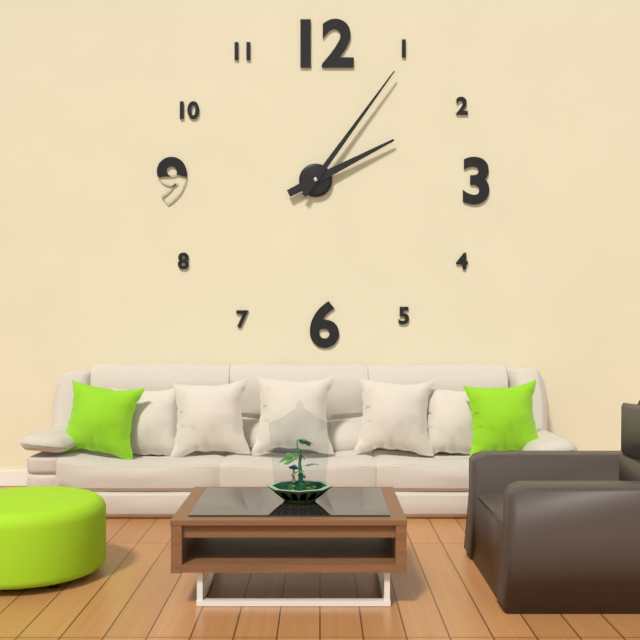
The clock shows 2.06
